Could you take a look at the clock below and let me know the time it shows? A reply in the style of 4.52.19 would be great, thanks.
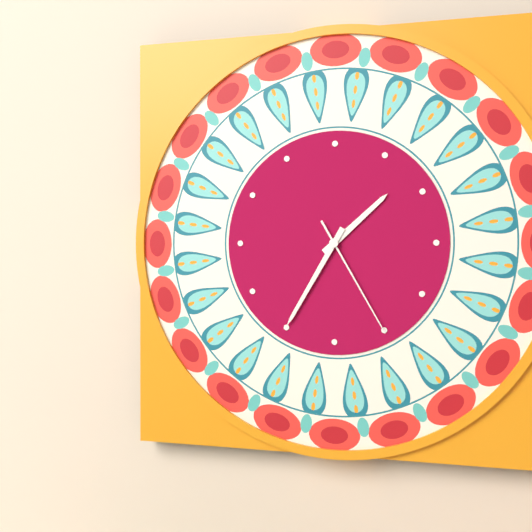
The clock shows 1.35.25
